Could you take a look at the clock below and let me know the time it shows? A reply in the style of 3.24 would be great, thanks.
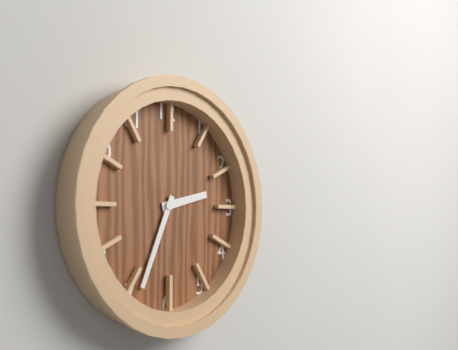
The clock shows 2.34
